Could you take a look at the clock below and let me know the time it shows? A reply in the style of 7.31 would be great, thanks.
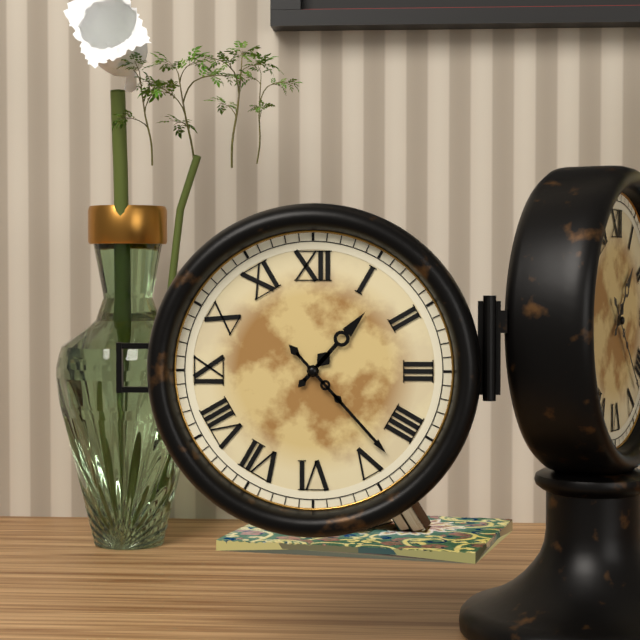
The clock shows 1.23
